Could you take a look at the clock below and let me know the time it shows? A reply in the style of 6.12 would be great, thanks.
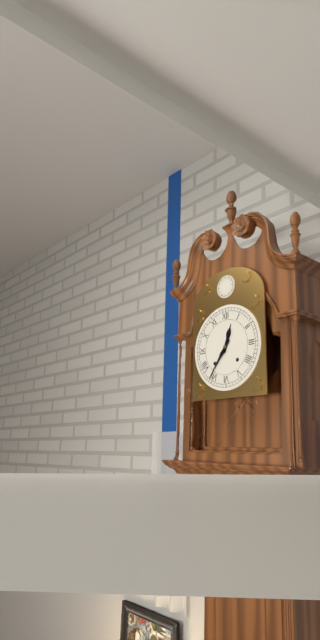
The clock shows 12.36
